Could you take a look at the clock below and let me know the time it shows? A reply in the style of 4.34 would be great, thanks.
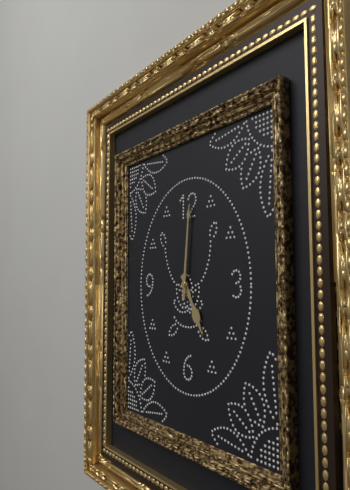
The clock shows 5.01
